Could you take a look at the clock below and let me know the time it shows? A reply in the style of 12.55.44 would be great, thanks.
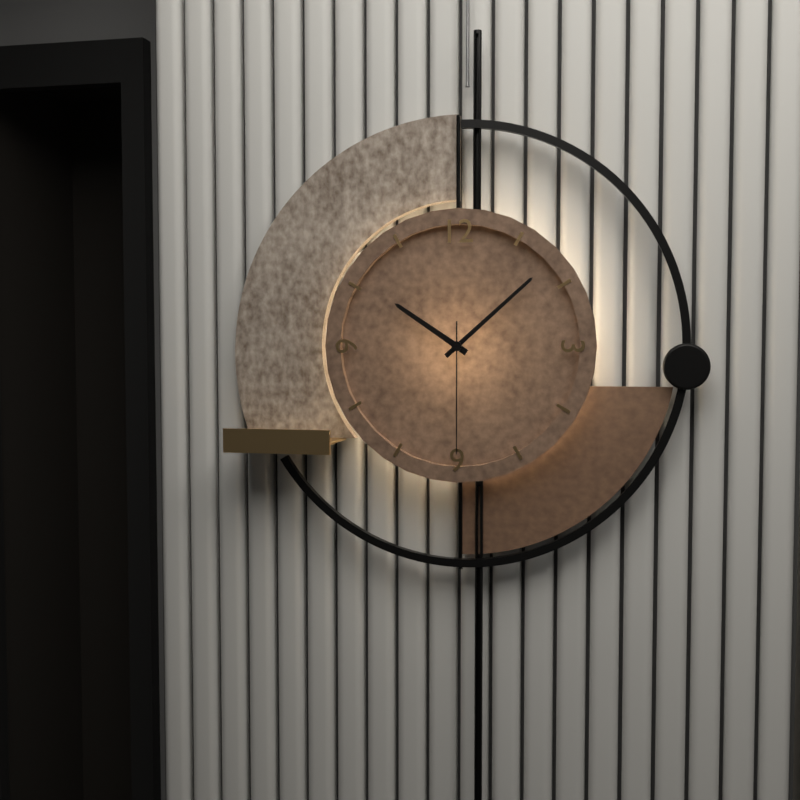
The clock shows 10.08.30
